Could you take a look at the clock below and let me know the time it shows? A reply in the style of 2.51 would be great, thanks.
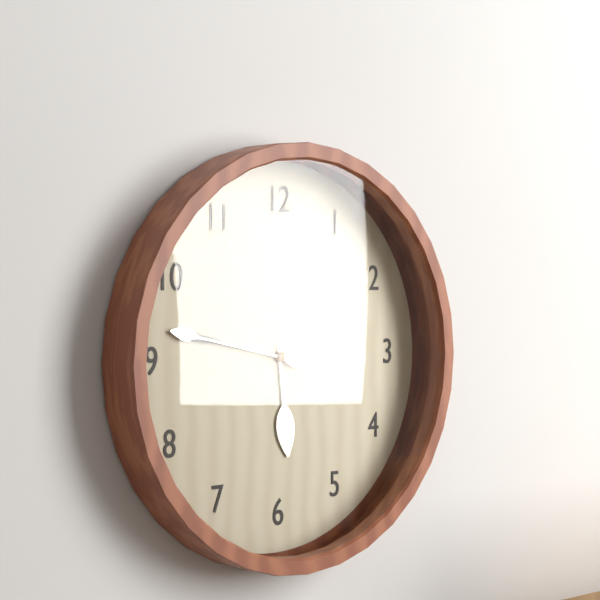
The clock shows 5.47
